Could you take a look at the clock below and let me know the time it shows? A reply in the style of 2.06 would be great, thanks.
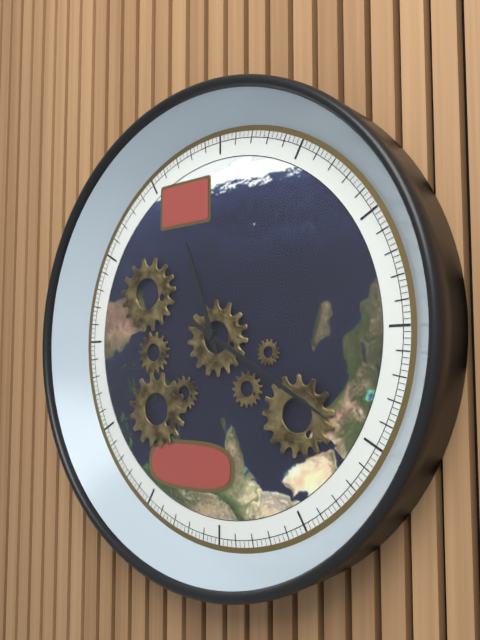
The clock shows 11.20
